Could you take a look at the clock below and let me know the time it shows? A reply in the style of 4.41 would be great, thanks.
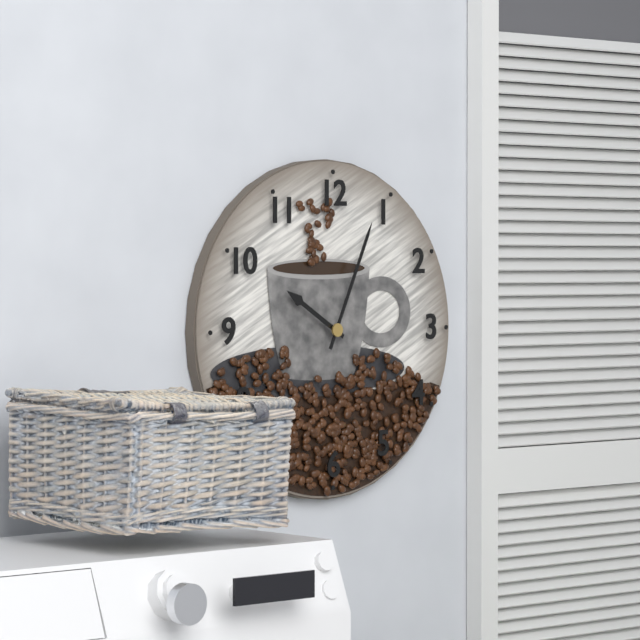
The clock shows 10.04
